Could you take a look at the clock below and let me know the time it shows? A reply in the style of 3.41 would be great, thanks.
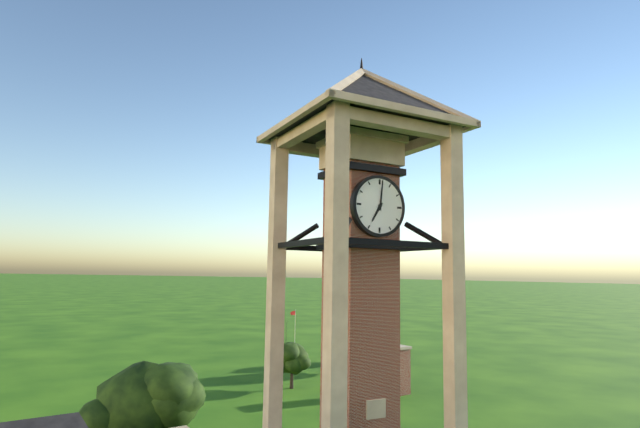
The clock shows 7.01
